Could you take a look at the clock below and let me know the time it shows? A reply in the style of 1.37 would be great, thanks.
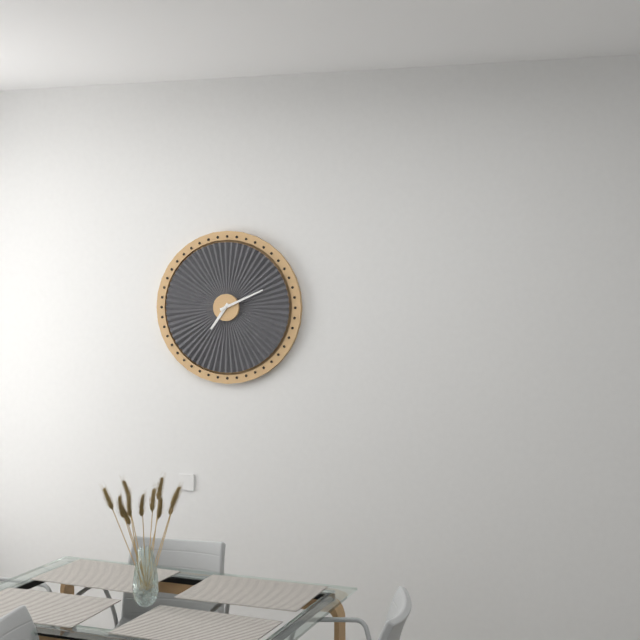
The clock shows 7.11
